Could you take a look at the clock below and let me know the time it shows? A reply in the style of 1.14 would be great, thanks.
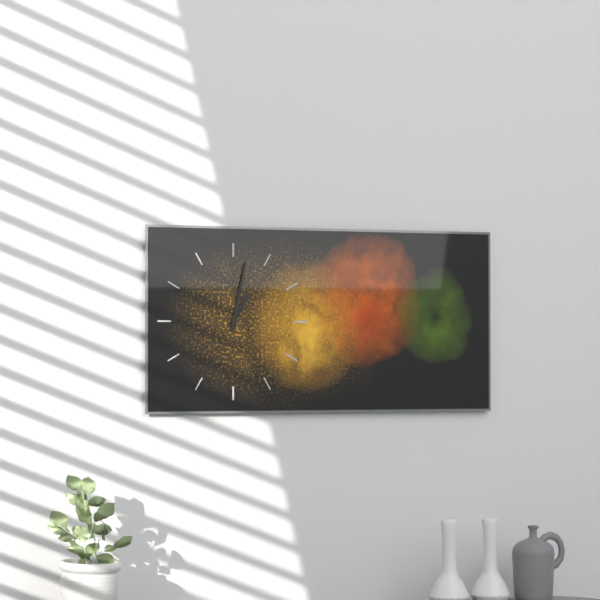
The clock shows 1.02
